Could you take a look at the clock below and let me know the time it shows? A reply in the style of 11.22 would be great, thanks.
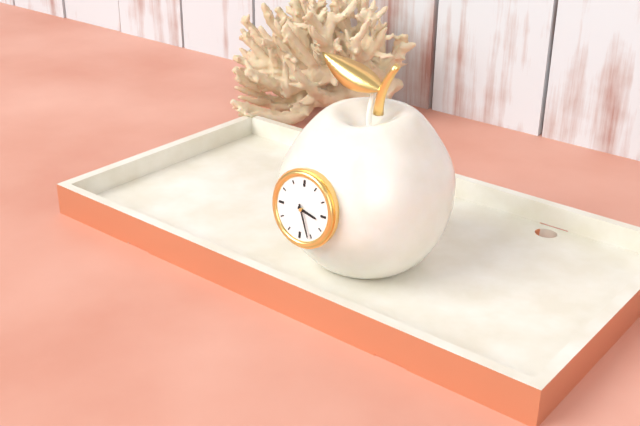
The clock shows 3.26
